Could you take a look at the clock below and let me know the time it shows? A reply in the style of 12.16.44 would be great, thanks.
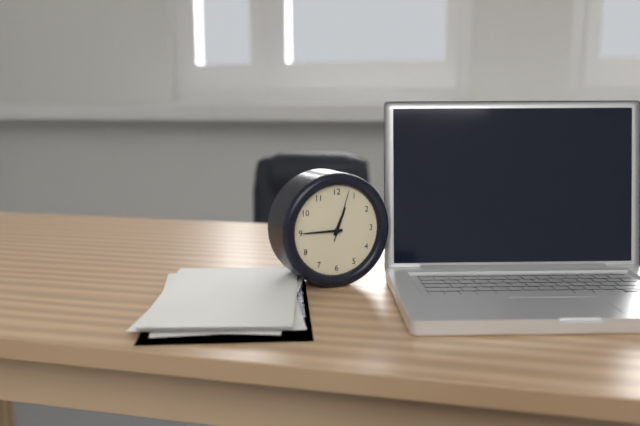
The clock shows 12.45.03
